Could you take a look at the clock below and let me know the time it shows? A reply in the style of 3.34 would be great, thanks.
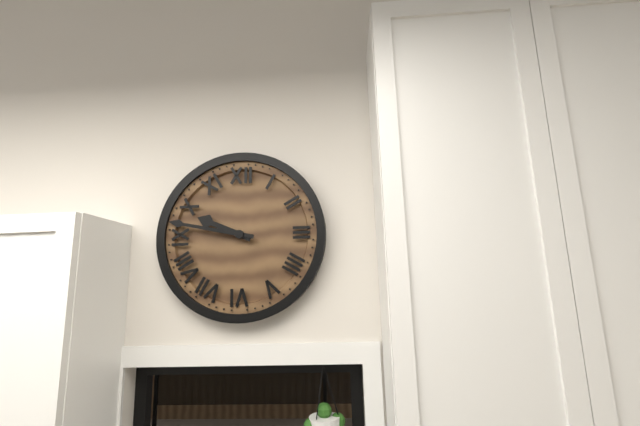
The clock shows 9.47
